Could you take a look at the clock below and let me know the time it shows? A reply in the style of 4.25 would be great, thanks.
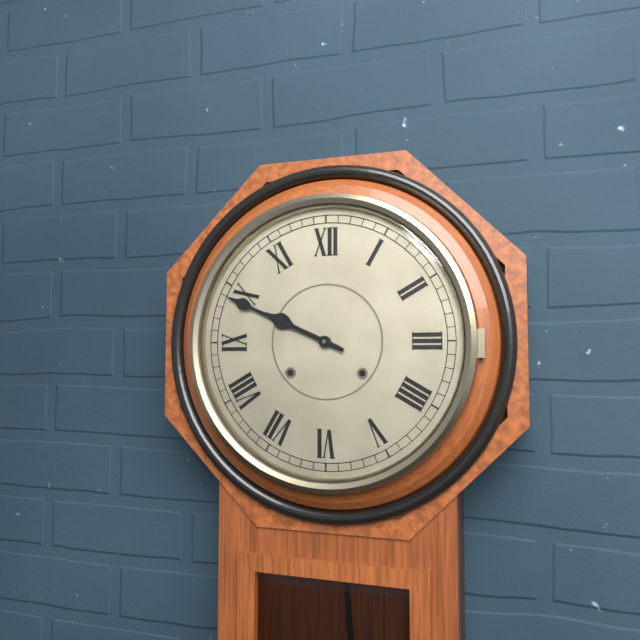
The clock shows 9.49
